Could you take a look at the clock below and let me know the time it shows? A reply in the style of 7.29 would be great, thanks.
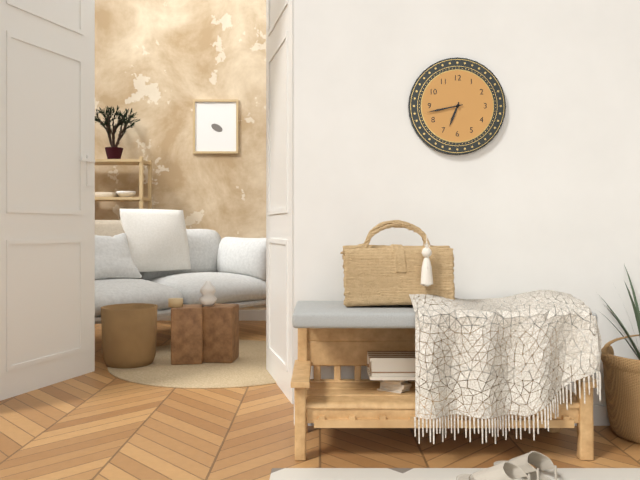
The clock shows 6.43
